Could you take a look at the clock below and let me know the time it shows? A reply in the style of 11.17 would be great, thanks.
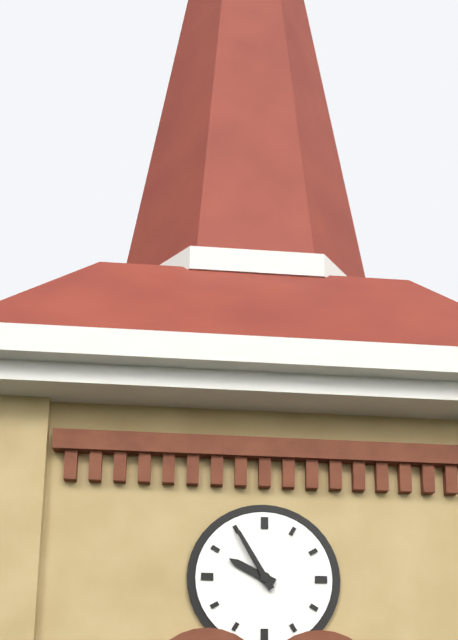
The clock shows 9.55
